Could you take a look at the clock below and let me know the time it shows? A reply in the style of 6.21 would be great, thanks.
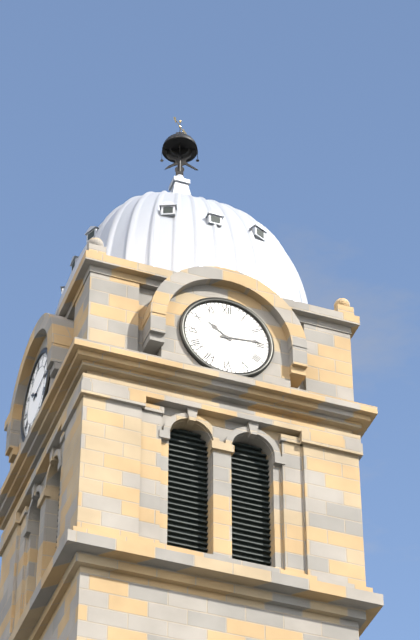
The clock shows 10.14
